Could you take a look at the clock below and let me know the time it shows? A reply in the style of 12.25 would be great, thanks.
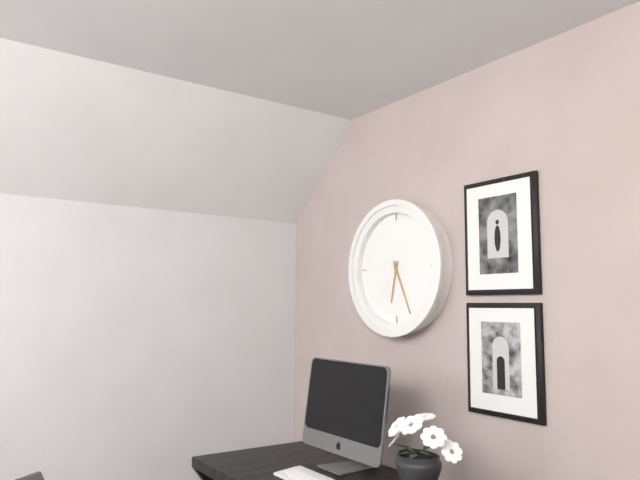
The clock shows 6.26
